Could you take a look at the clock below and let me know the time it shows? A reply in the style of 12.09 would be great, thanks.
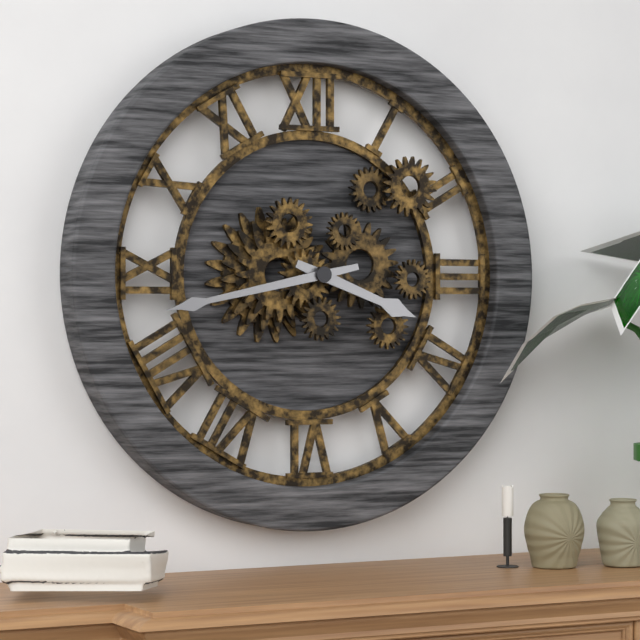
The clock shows 3.43
